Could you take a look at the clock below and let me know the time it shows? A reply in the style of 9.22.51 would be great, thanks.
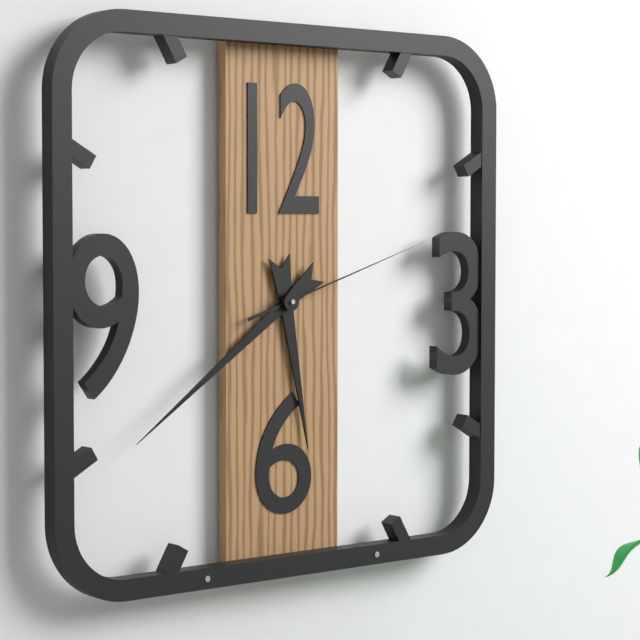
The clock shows 5.39.12
